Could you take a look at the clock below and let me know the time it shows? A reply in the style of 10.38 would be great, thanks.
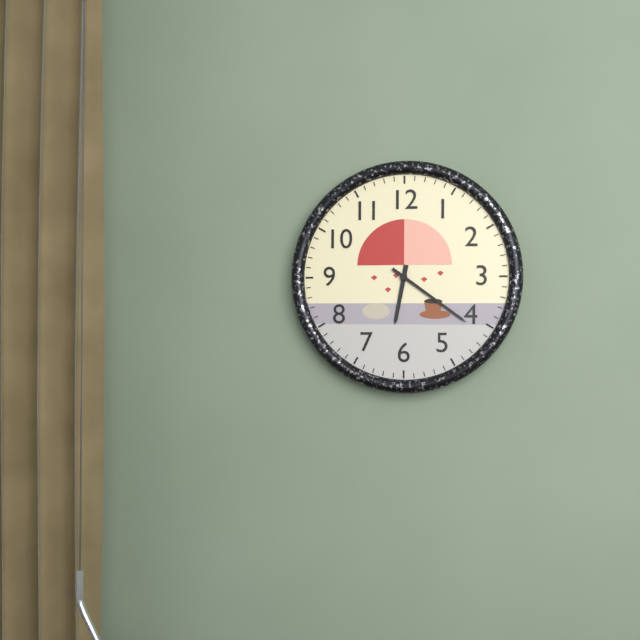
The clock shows 6.21
